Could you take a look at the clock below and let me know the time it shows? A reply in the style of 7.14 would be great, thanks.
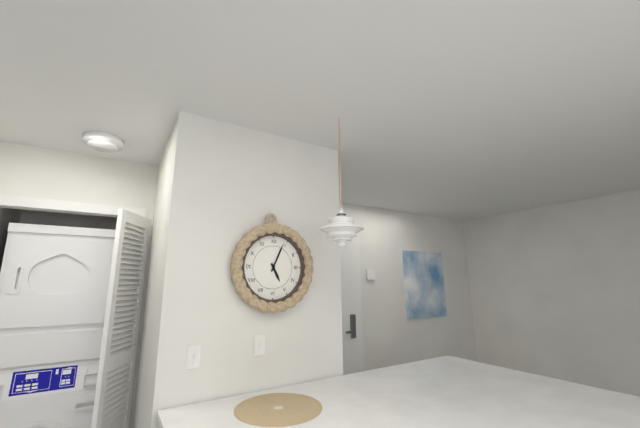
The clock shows 5.04
